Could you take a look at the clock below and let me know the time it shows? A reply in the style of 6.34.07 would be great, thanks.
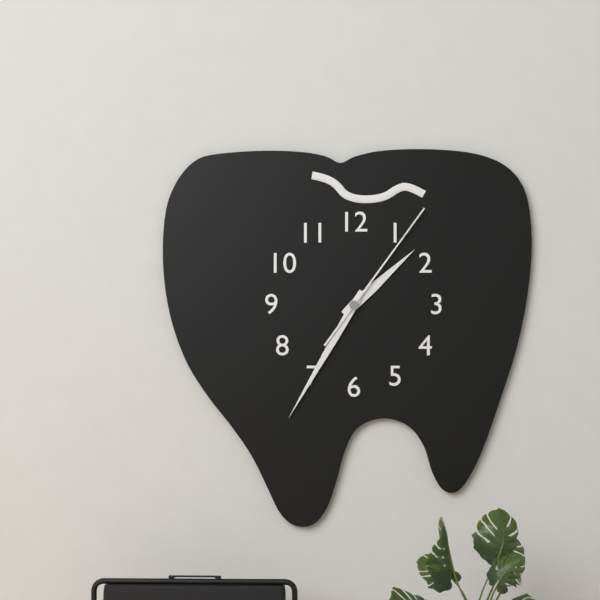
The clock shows 1.35.06
